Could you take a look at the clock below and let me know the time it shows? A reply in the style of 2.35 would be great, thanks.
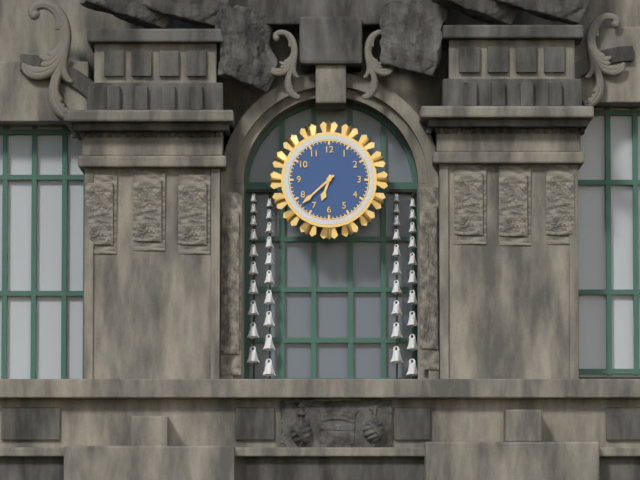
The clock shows 6.38
